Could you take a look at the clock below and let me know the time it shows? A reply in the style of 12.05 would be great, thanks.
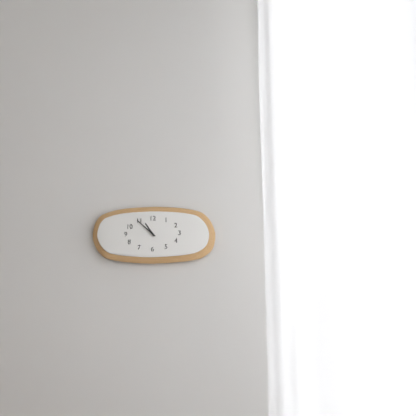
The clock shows 10.52
